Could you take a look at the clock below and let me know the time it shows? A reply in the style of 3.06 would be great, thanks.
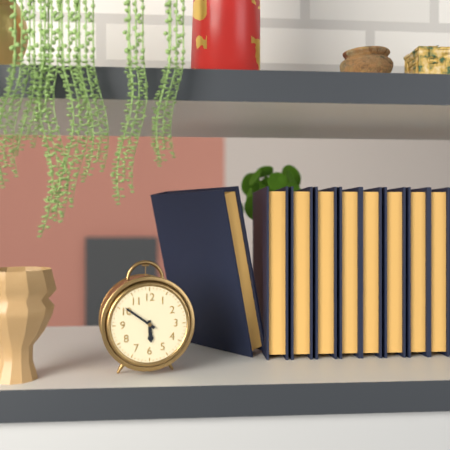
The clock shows 5.51
